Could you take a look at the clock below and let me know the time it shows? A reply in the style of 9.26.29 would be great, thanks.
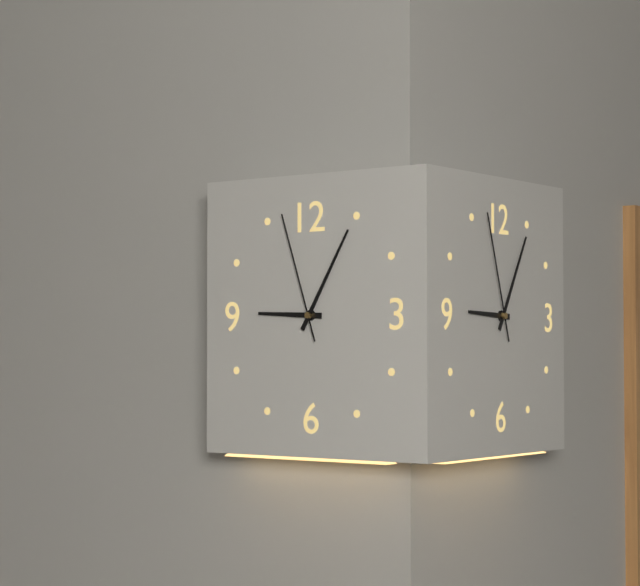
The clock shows 9.05.57
